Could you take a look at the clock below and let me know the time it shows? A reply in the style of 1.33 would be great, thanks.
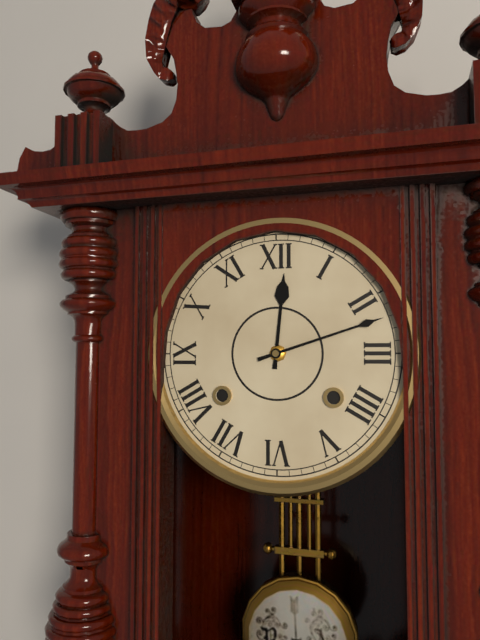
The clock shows 12.12
